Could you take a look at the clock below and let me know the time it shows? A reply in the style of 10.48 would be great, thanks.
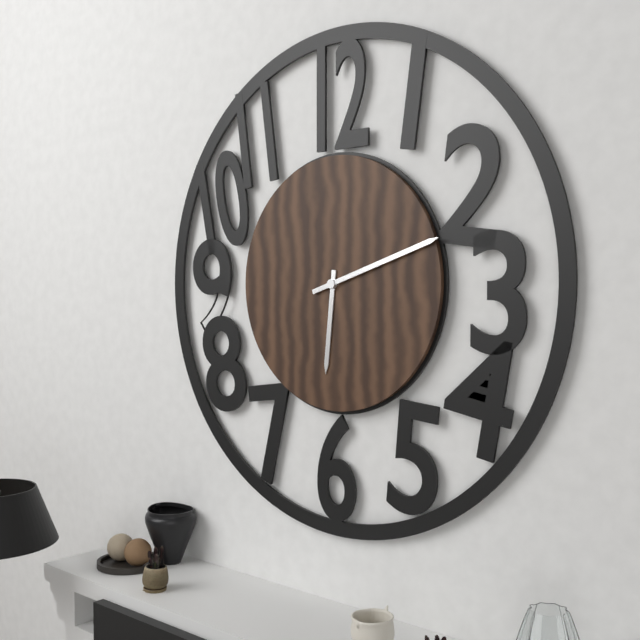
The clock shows 6.12
